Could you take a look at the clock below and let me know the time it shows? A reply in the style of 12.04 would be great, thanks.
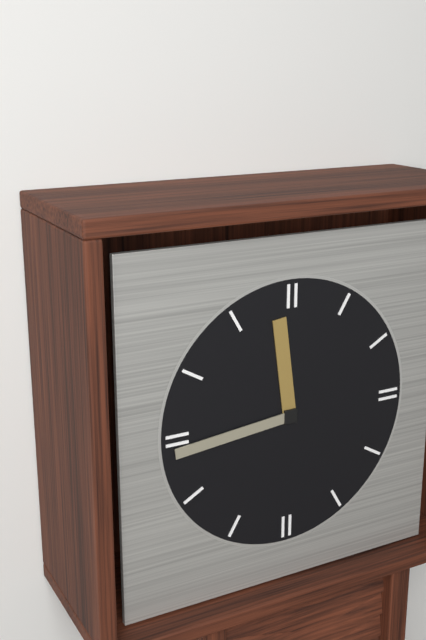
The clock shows 11.44
